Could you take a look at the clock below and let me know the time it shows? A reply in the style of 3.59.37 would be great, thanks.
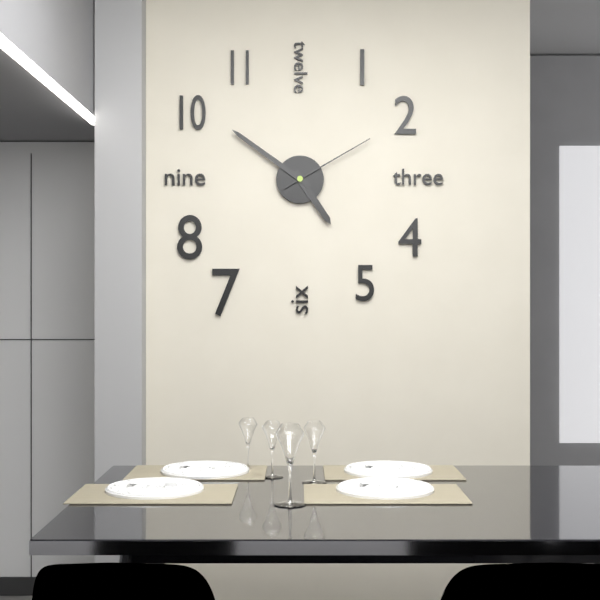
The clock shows 4.51.10
